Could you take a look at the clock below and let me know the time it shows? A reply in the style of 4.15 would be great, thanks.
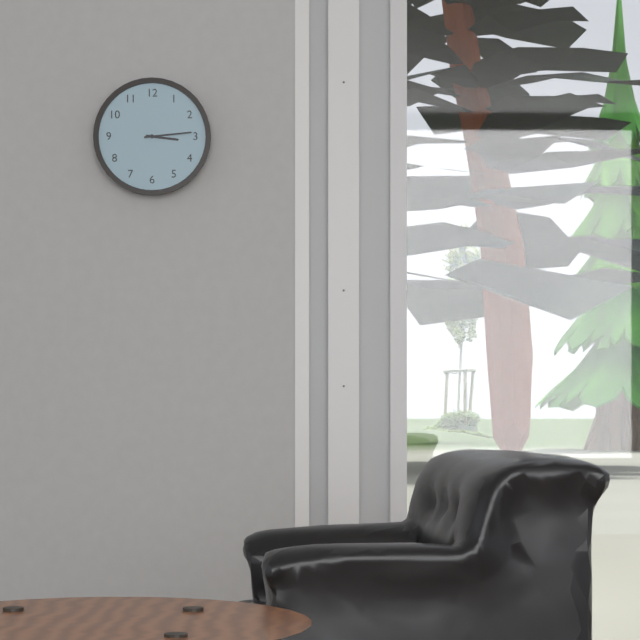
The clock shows 3.14
